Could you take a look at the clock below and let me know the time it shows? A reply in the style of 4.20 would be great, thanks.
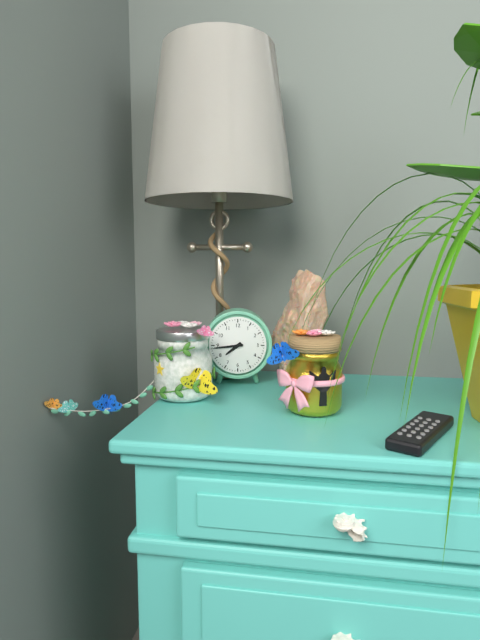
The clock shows 7.44
